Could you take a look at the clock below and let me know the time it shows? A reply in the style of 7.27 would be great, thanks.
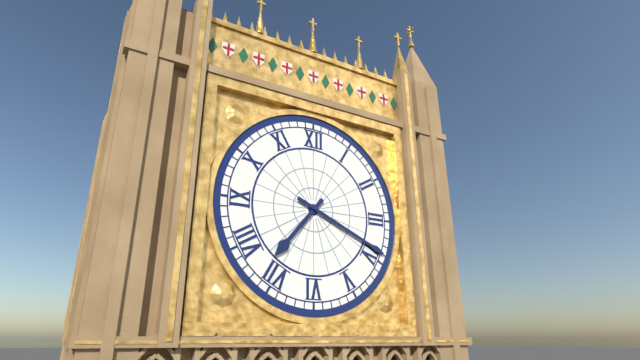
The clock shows 7.19
